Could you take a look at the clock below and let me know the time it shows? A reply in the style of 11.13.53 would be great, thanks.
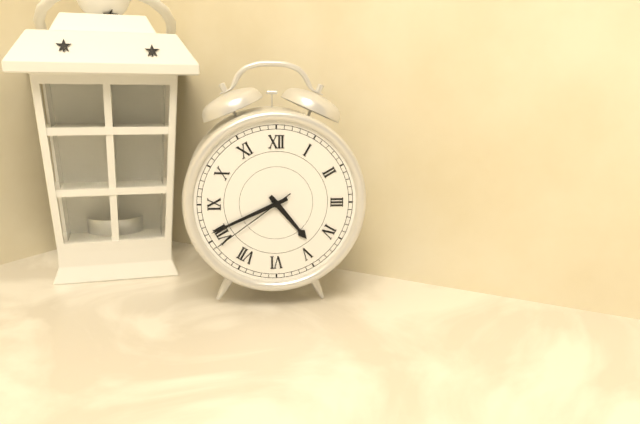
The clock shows 4.41.39
